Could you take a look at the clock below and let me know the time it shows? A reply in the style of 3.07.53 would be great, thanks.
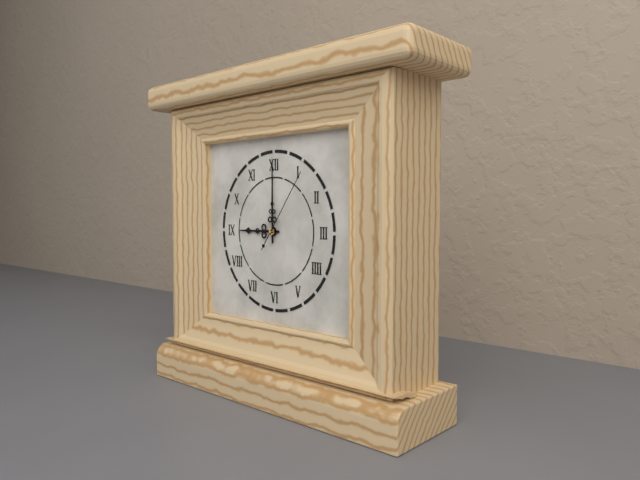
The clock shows 9.00.06
